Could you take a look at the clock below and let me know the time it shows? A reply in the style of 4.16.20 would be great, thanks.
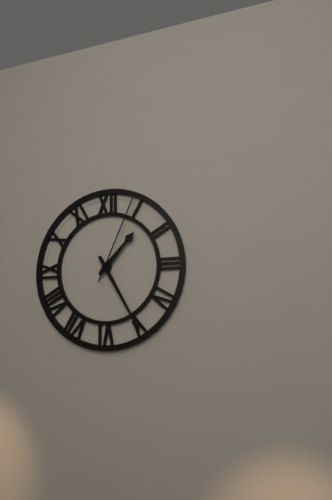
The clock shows 1.25.04
